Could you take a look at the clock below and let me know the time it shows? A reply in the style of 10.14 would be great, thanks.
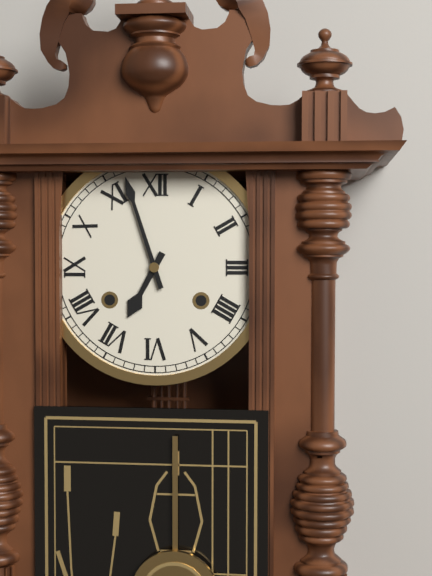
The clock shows 6.57
